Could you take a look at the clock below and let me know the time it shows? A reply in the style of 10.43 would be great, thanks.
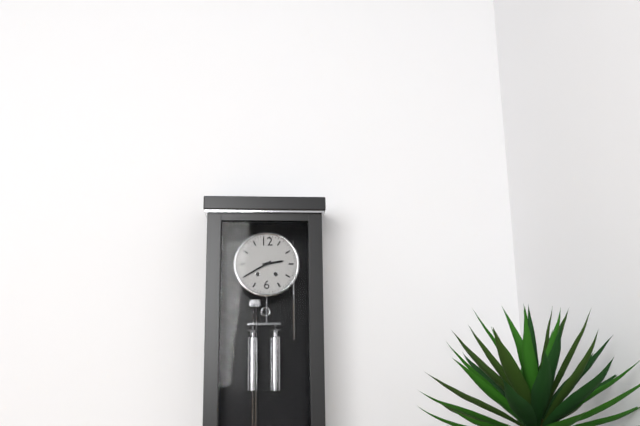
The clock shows 2.40
